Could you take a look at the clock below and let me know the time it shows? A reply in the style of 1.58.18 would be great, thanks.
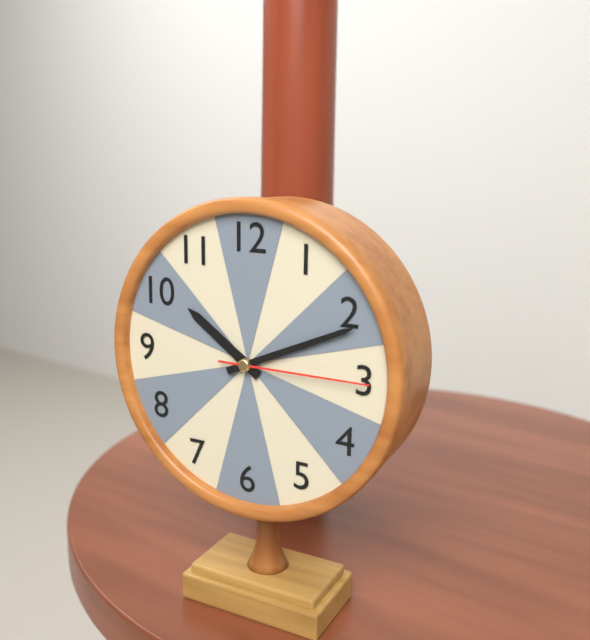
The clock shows 10.11.15
